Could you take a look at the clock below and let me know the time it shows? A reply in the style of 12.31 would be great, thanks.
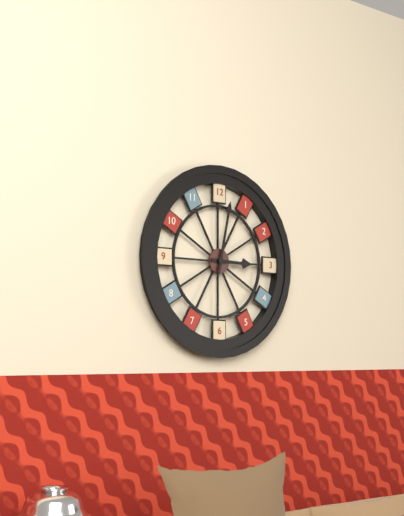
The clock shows 3.02
